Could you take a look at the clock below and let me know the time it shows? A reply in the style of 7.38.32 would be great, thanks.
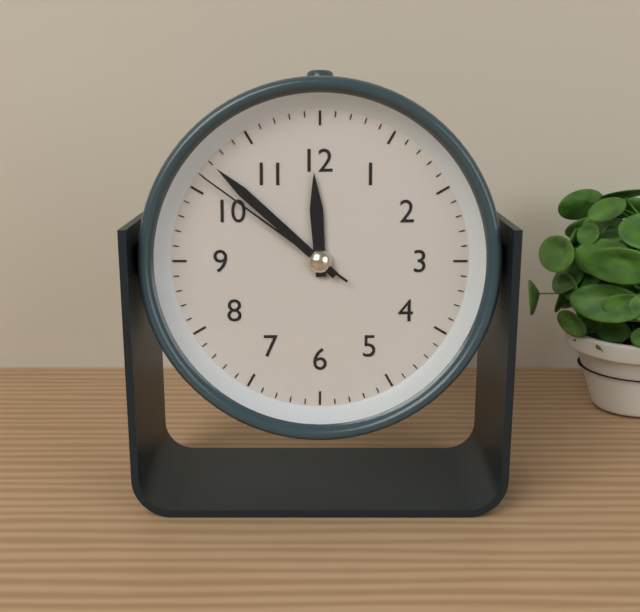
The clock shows 11.52.51
